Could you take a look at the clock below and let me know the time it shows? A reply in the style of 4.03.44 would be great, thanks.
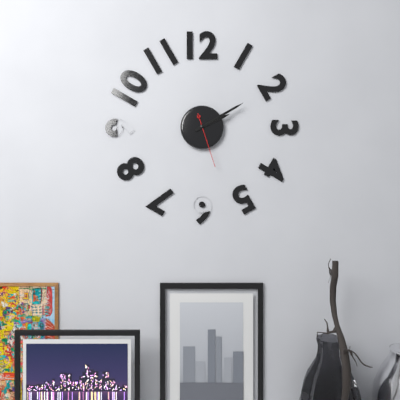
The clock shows 2.10.27
